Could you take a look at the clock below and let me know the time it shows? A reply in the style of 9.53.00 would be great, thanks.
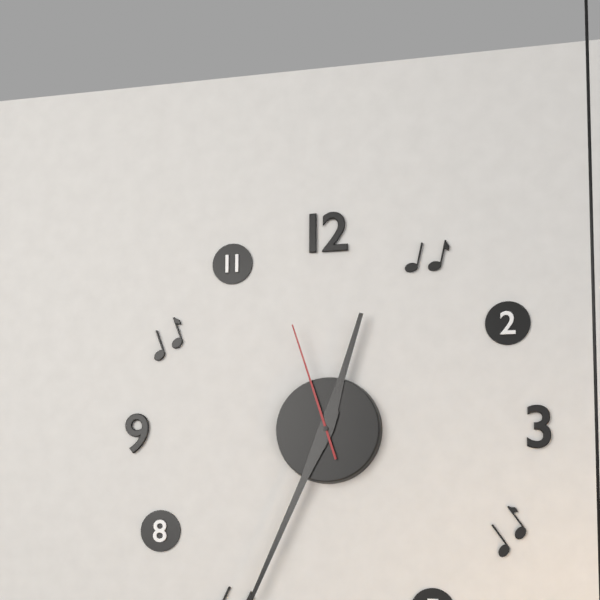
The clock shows 12.34.57
